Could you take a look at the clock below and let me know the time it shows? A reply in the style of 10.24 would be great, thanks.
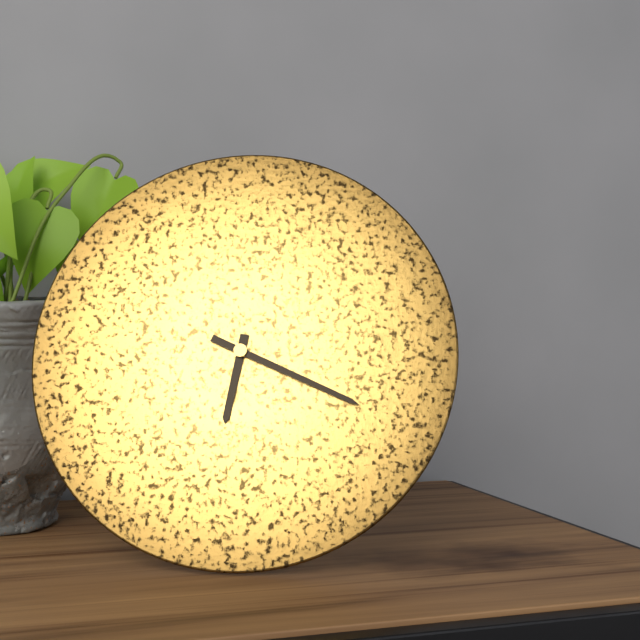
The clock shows 6.19
